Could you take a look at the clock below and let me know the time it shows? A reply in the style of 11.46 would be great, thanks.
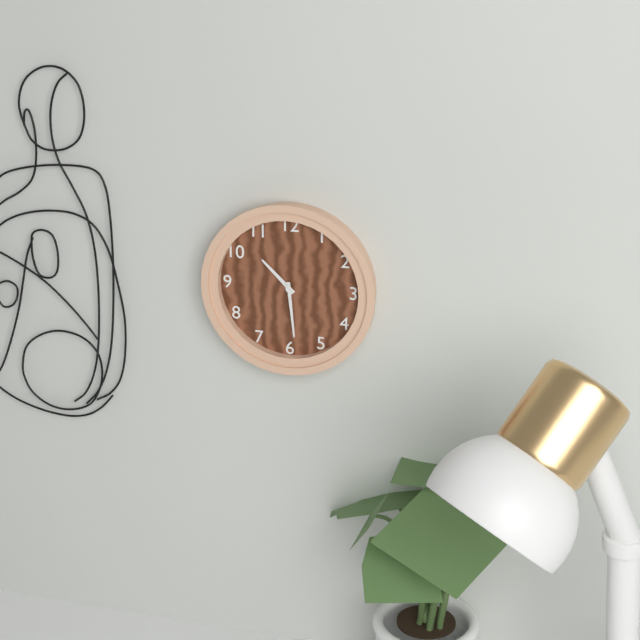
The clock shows 10.29
